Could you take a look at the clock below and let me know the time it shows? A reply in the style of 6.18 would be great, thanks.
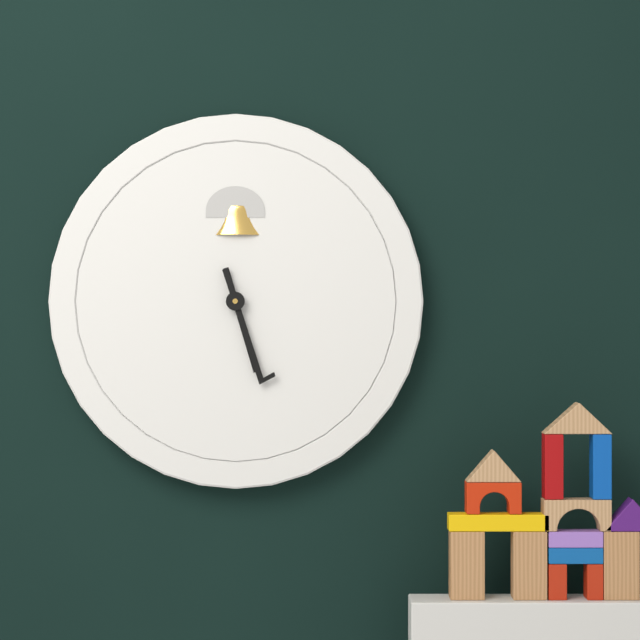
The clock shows 5.27
